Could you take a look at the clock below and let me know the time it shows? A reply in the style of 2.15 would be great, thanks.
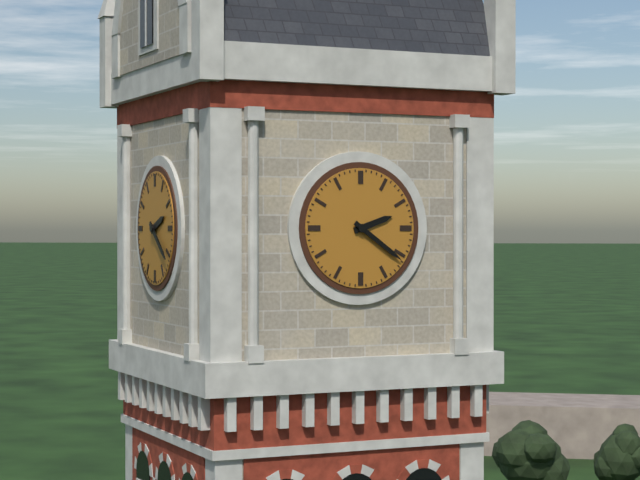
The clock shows 2.21
